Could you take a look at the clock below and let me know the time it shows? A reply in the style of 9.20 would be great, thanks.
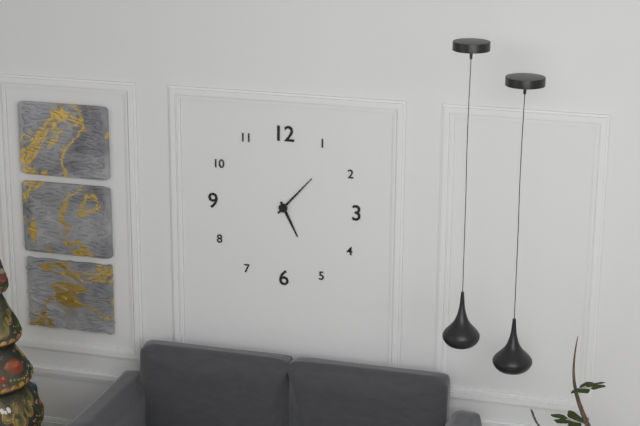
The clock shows 5.07
